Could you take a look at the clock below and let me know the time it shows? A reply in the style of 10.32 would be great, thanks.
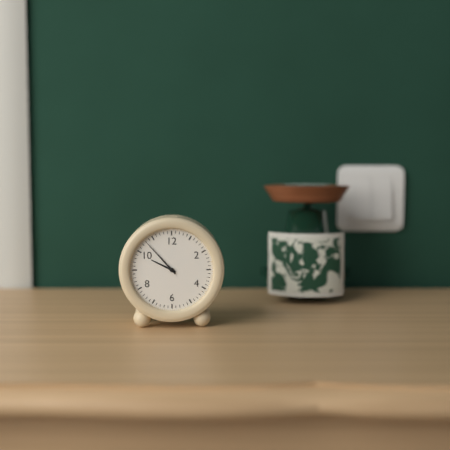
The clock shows 9.53
